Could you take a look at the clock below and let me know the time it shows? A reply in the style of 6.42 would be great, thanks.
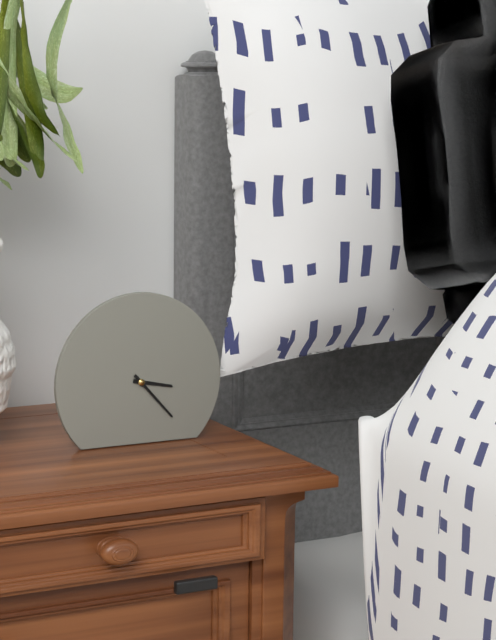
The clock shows 3.23
